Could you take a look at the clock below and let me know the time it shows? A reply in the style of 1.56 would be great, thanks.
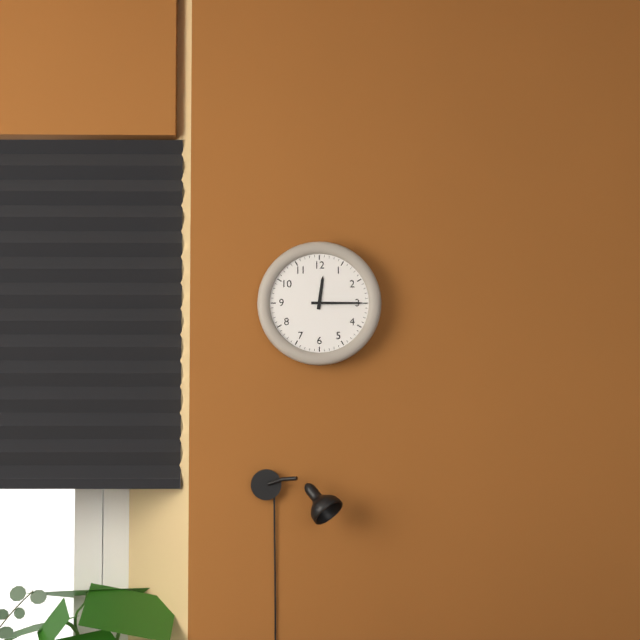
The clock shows 12.15
